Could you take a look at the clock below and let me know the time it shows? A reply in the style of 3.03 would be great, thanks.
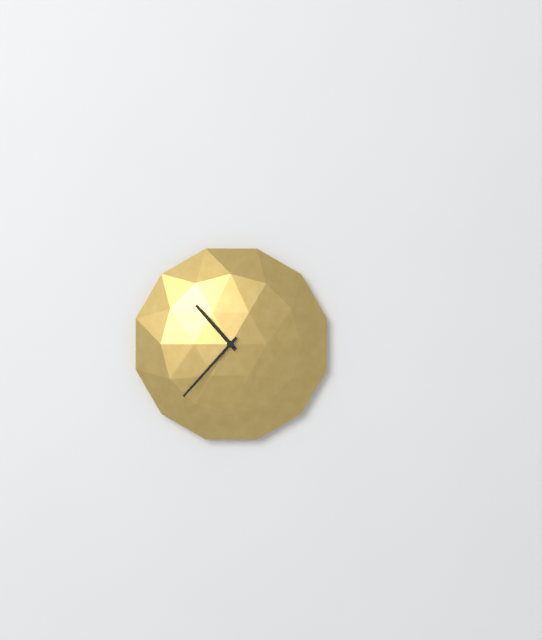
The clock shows 10.37
